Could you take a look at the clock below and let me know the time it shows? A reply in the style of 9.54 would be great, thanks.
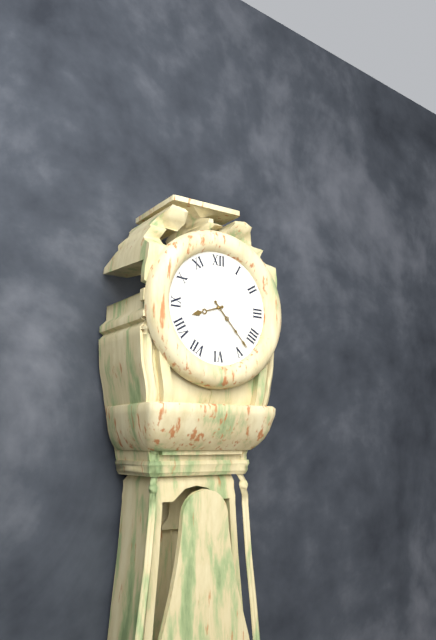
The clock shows 8.23
